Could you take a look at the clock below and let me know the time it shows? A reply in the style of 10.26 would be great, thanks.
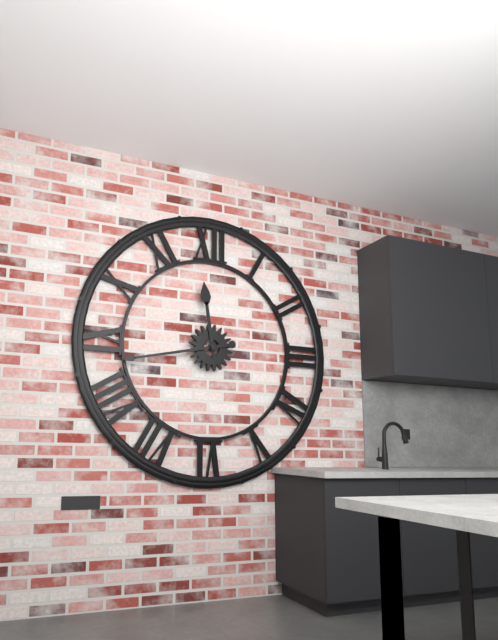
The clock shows 11.43
